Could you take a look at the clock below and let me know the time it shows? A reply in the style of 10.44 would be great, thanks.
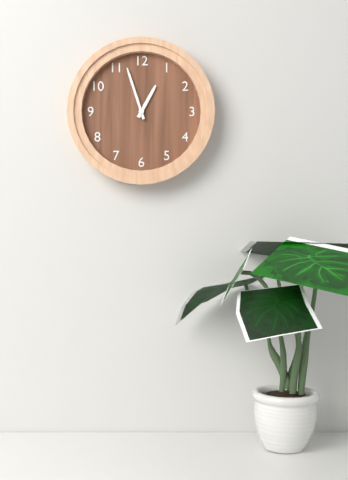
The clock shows 12.57
